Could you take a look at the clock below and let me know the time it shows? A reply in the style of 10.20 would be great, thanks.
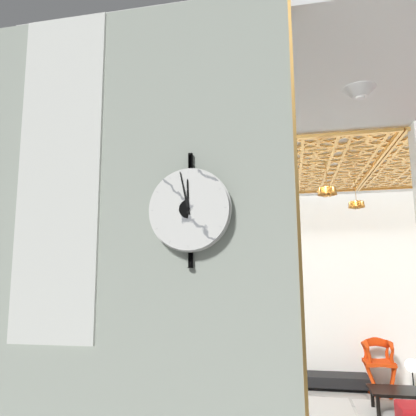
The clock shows 11.58
